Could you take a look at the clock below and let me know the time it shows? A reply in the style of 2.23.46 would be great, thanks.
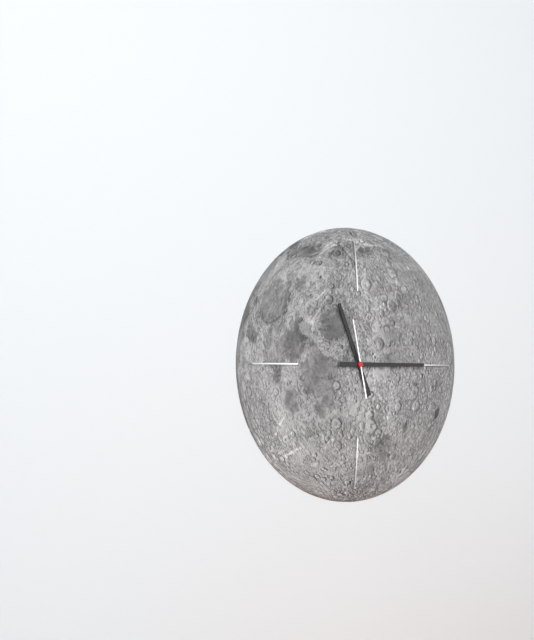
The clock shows 11.15.58
